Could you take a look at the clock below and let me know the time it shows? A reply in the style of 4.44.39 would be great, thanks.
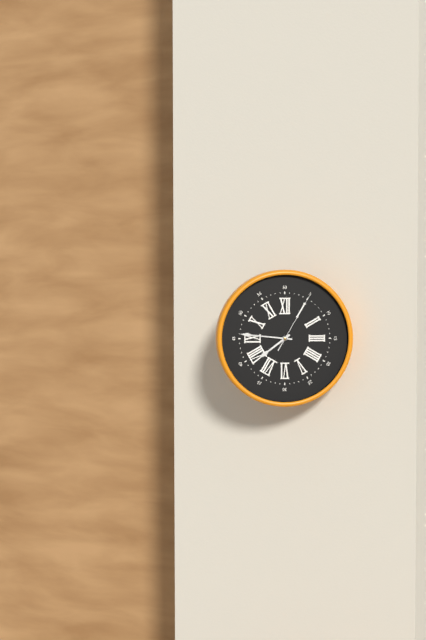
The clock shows 7.46.05
